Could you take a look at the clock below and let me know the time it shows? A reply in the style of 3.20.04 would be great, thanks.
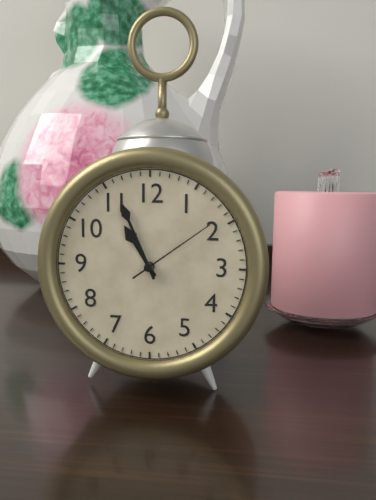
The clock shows 10.56.09
